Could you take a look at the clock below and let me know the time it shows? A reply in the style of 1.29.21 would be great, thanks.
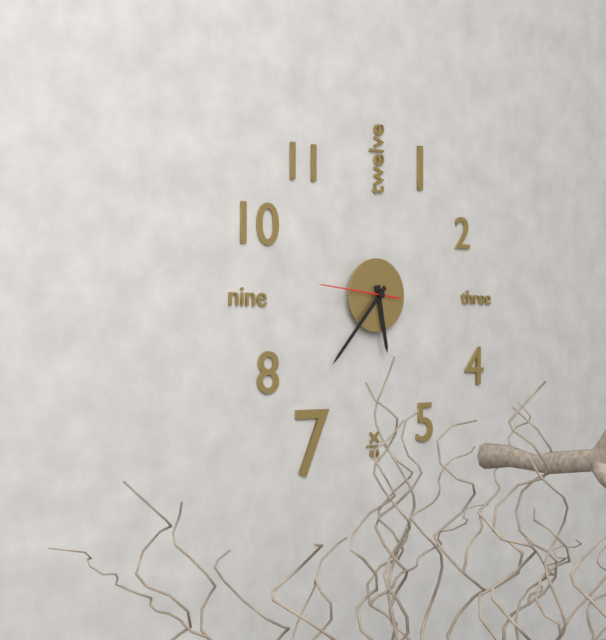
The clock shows 5.37.46
